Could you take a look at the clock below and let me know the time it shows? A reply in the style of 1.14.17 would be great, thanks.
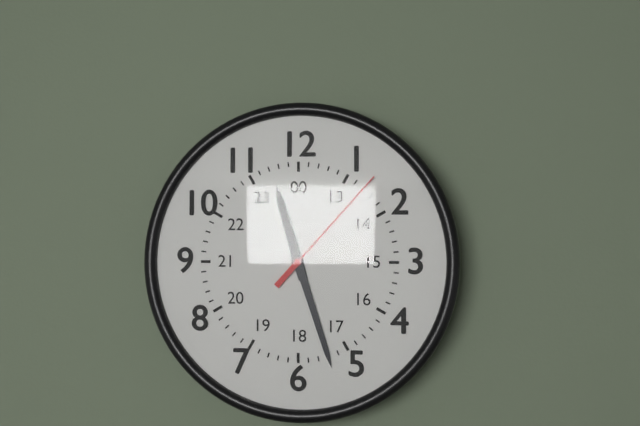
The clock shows 11.27.07
